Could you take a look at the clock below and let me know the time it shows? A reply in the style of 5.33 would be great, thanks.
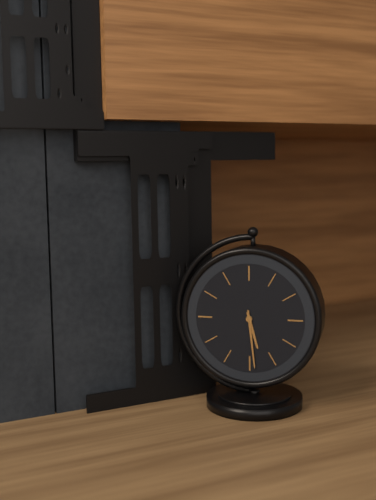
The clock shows 5.29
